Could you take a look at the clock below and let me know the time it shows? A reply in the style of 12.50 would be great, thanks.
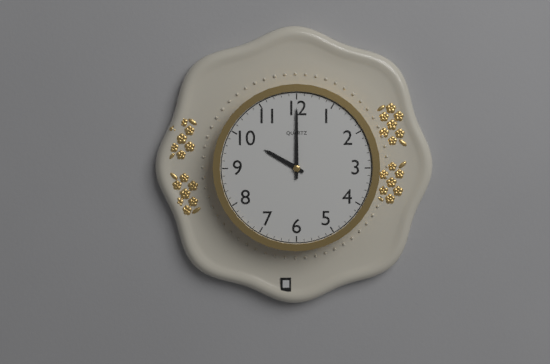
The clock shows 10.00
